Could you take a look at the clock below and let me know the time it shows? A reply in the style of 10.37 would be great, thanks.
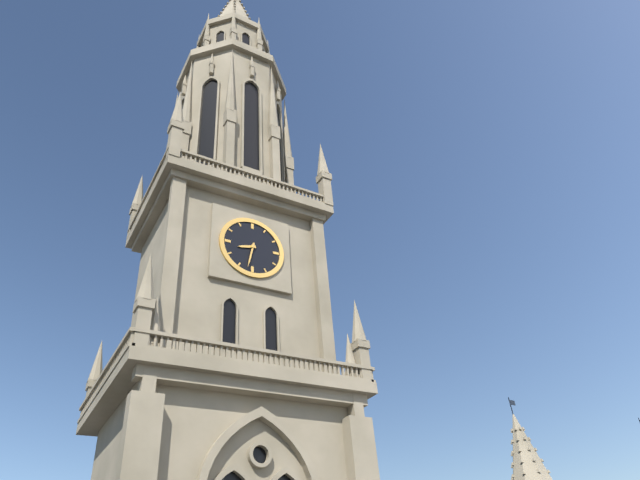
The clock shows 8.32
